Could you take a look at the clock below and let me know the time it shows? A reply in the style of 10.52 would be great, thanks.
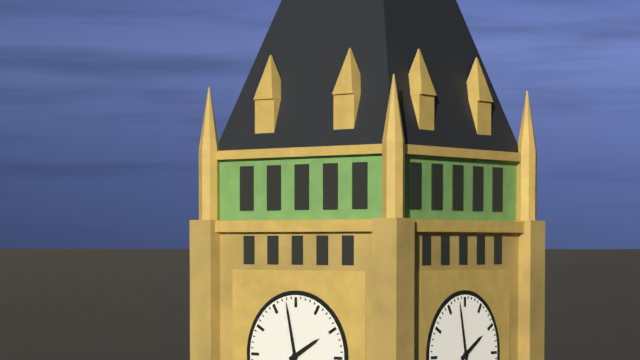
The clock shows 1.58
